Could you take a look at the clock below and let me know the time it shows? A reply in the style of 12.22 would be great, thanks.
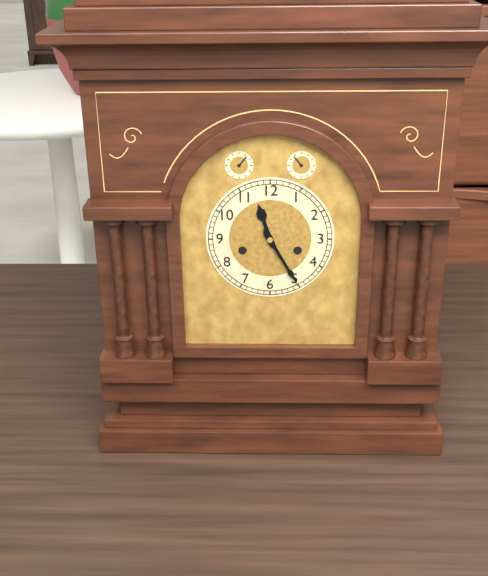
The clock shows 11.25
